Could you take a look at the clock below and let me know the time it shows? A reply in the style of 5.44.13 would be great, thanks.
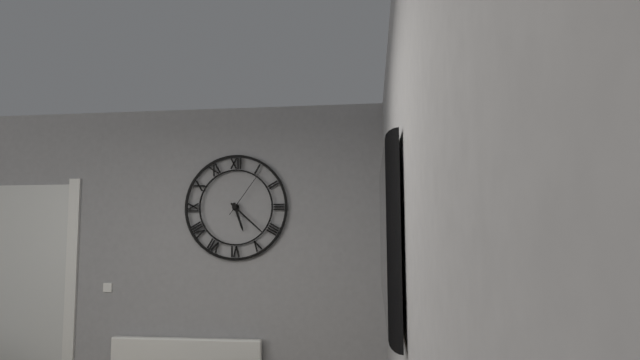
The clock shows 5.22.06
